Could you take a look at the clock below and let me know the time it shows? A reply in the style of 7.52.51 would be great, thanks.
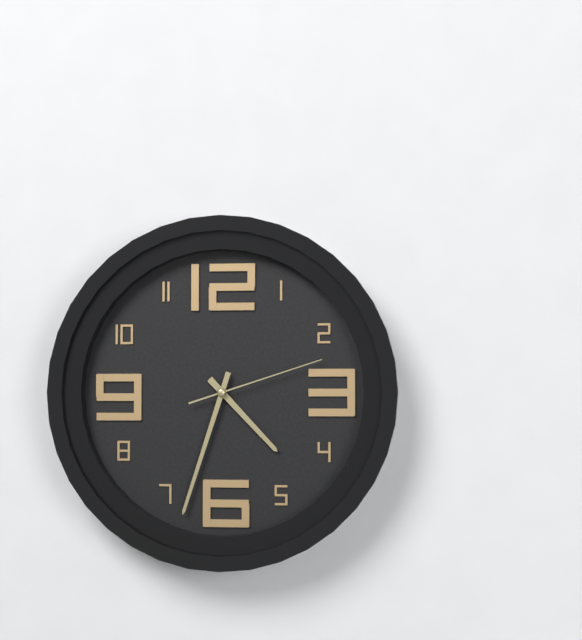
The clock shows 4.33.12
